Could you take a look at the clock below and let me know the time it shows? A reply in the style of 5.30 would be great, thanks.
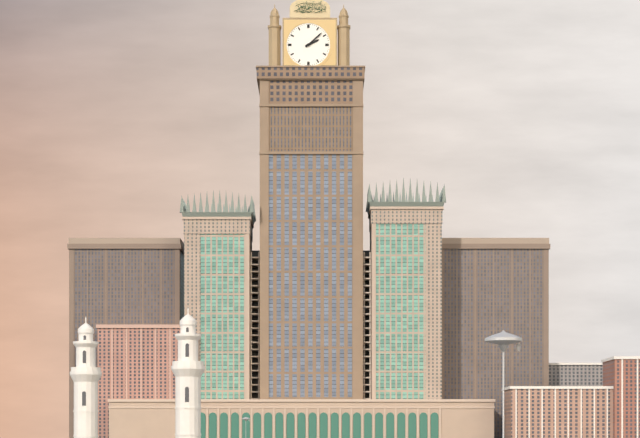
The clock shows 2.08
